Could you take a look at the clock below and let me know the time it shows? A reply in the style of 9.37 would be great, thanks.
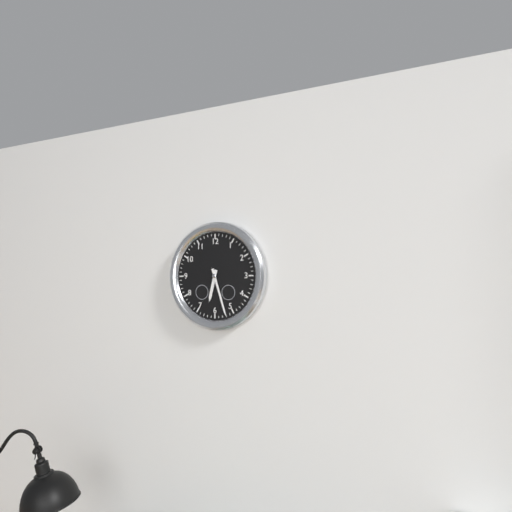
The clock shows 6.27
